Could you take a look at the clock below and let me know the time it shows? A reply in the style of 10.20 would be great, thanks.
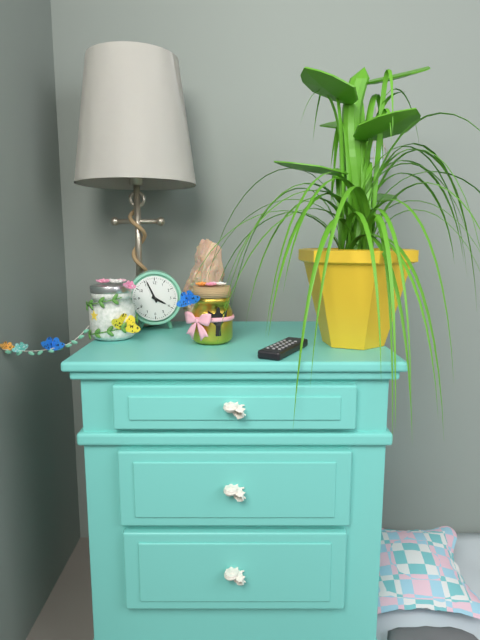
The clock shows 3.56
